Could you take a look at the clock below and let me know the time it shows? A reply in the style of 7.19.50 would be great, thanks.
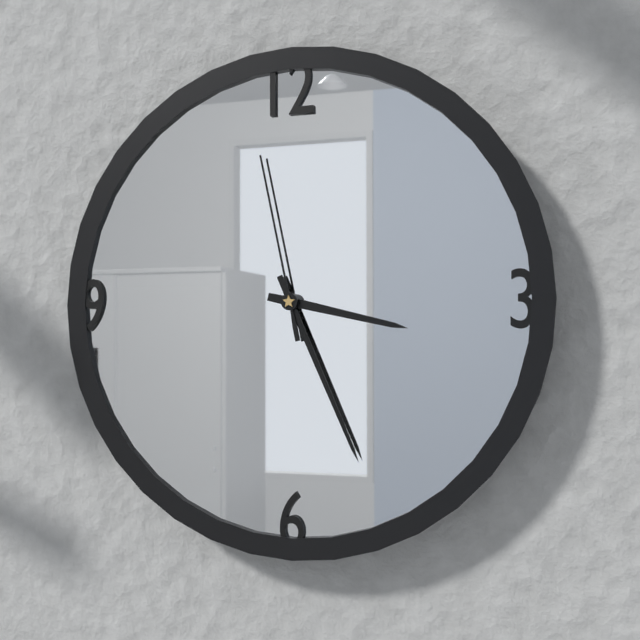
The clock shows 3.26.58
